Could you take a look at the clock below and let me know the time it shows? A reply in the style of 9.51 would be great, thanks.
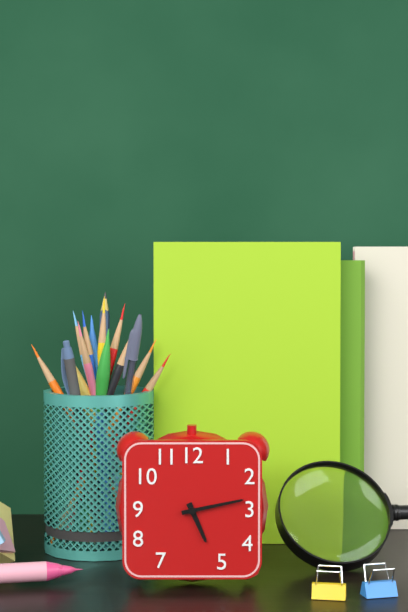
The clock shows 5.13
